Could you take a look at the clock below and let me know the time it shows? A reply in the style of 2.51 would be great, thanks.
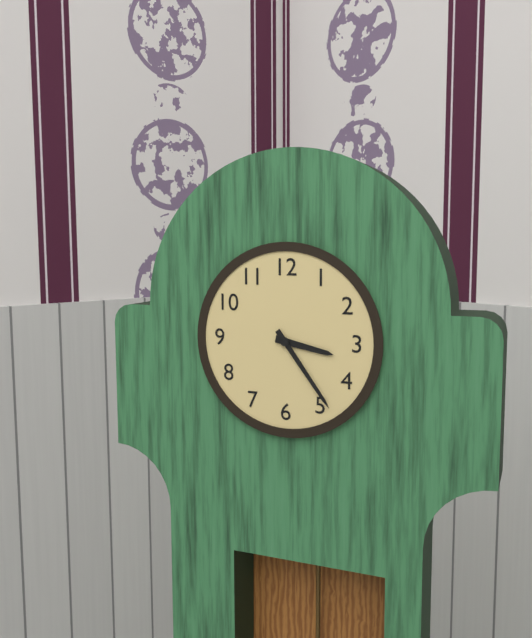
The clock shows 3.24
